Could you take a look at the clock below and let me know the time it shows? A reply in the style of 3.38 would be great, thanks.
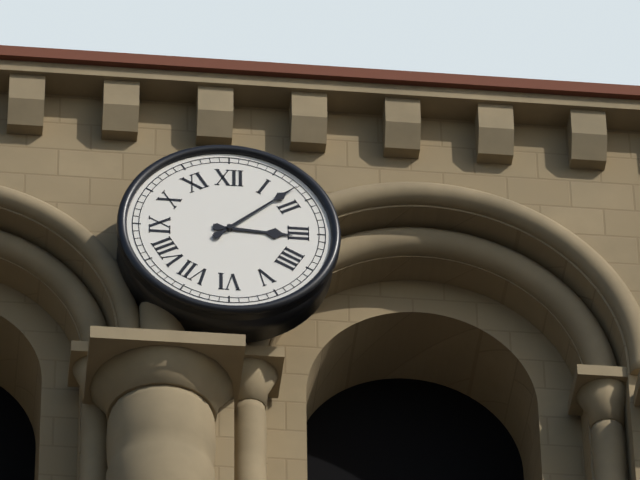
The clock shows 3.08
